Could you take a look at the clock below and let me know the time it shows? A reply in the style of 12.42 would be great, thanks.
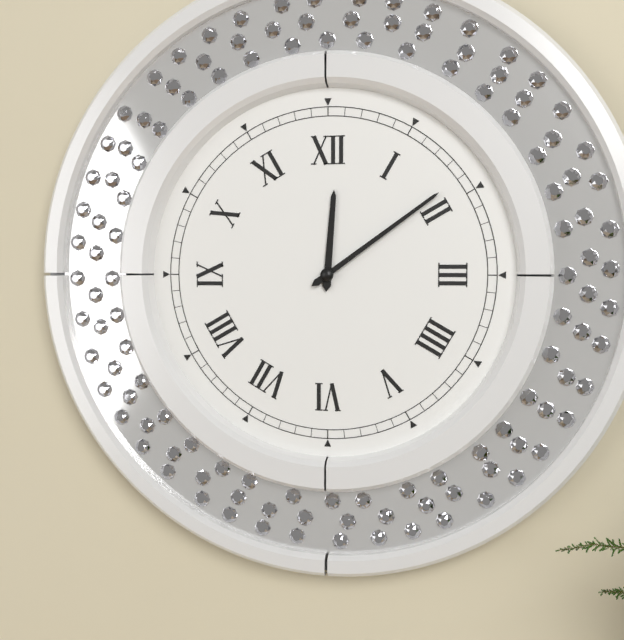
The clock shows 12.09
